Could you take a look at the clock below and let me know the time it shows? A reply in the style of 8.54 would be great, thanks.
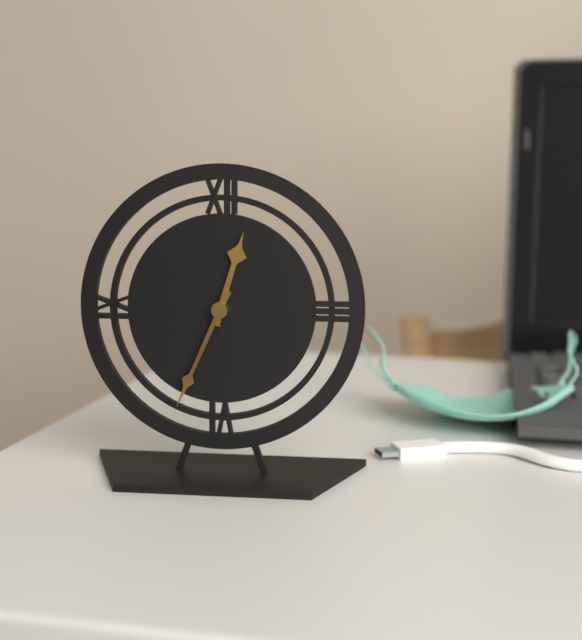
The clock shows 12.34
